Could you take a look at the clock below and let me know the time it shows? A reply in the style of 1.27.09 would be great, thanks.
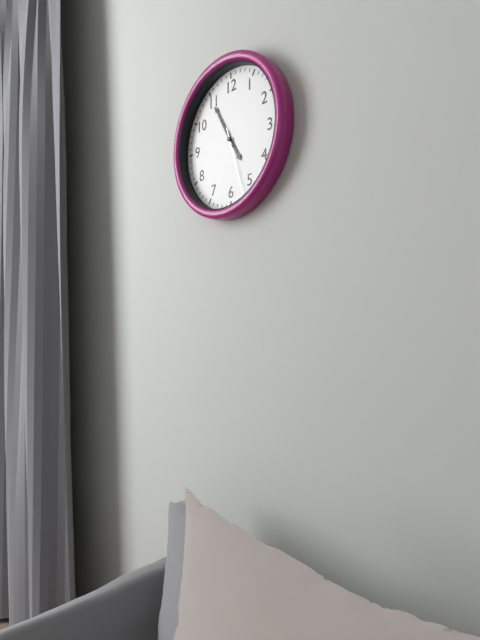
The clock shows 4.55.27
